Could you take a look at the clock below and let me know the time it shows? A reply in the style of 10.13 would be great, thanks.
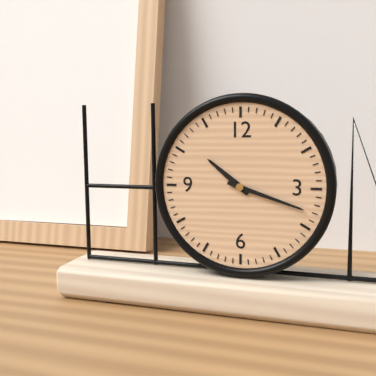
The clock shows 10.18
